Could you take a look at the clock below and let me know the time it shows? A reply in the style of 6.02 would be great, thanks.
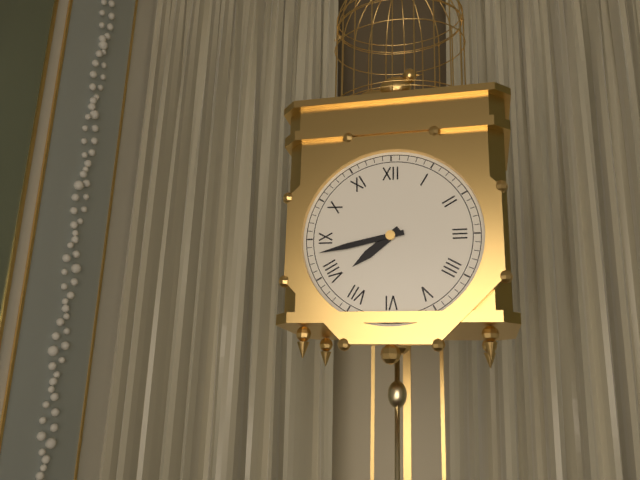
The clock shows 7.43
